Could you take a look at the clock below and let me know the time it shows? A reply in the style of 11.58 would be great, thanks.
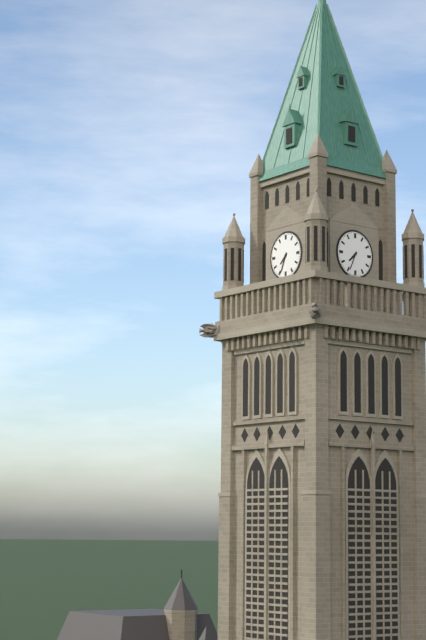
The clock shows 7.34
